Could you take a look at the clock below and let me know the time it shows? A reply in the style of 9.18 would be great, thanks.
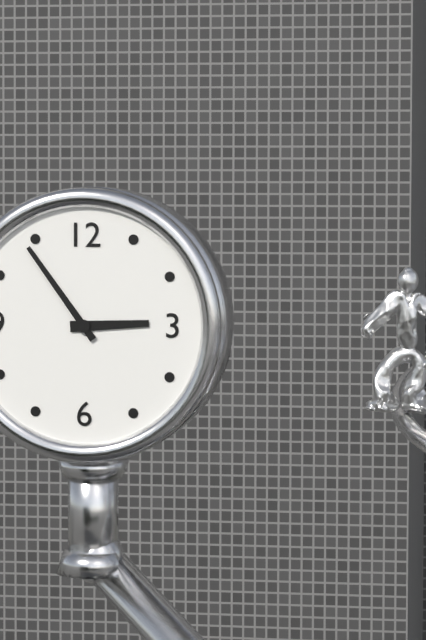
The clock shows 2.54
